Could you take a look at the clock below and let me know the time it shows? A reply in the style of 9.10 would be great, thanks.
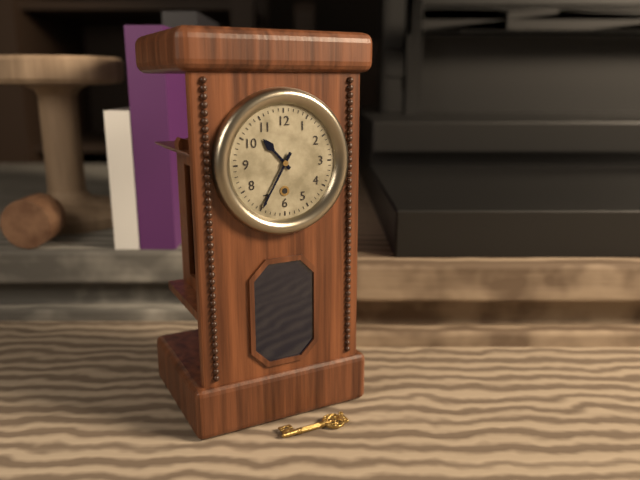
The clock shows 10.35
